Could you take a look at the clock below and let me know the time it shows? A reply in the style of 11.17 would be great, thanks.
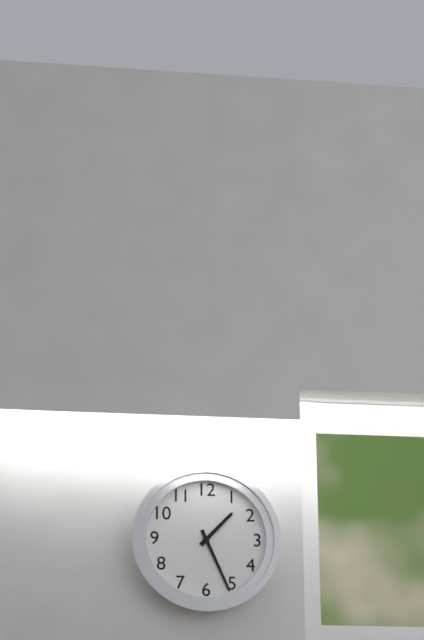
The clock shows 1.26
